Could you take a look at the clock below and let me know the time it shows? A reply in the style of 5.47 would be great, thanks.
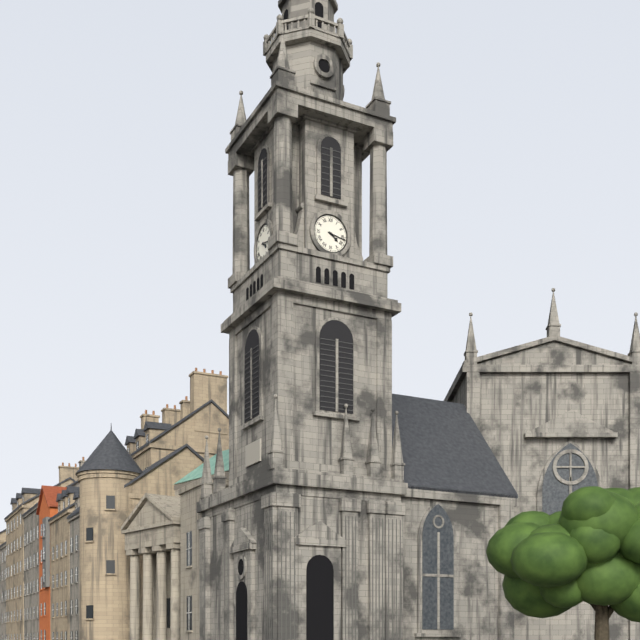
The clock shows 4.17
